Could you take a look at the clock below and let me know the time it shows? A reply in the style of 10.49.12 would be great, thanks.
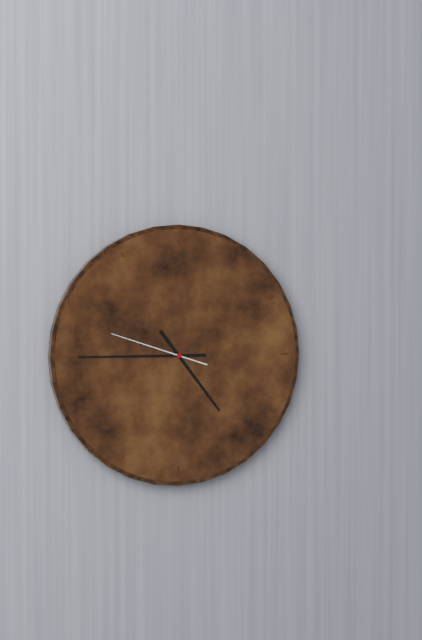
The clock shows 4.45.48
